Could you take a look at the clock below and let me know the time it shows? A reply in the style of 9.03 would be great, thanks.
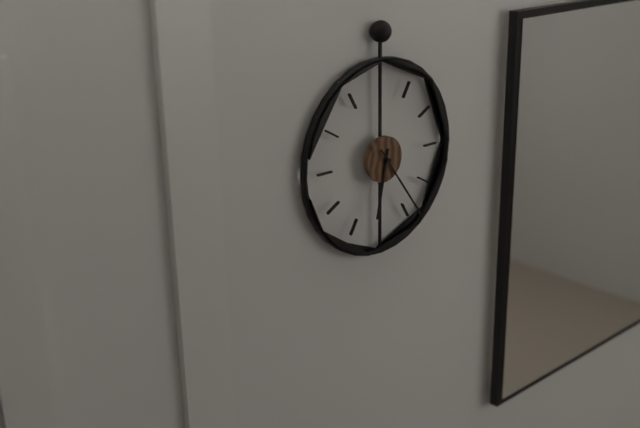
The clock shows 6.24
